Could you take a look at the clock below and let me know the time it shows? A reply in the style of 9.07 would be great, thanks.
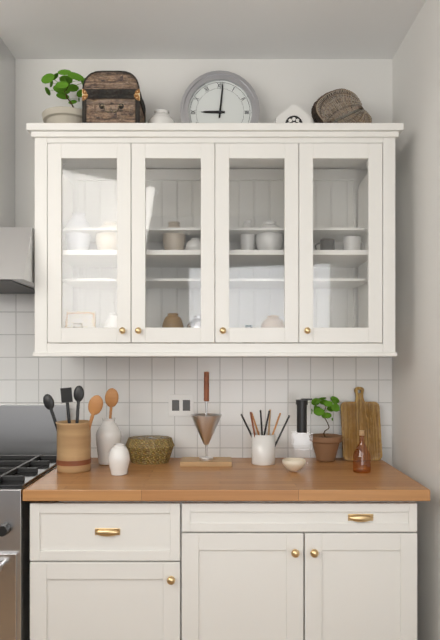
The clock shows 9.01
